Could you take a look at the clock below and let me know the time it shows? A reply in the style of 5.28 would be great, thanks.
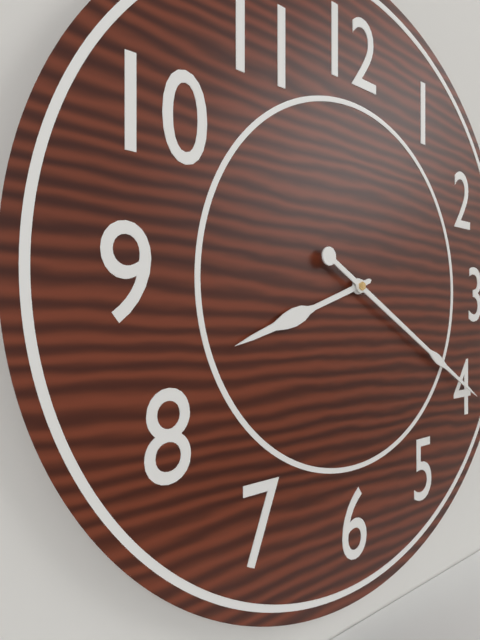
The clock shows 8.20
